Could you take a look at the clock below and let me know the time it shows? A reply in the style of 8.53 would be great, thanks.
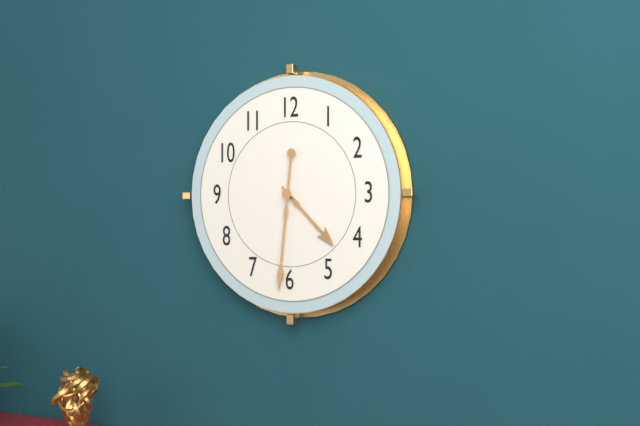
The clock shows 4.31
